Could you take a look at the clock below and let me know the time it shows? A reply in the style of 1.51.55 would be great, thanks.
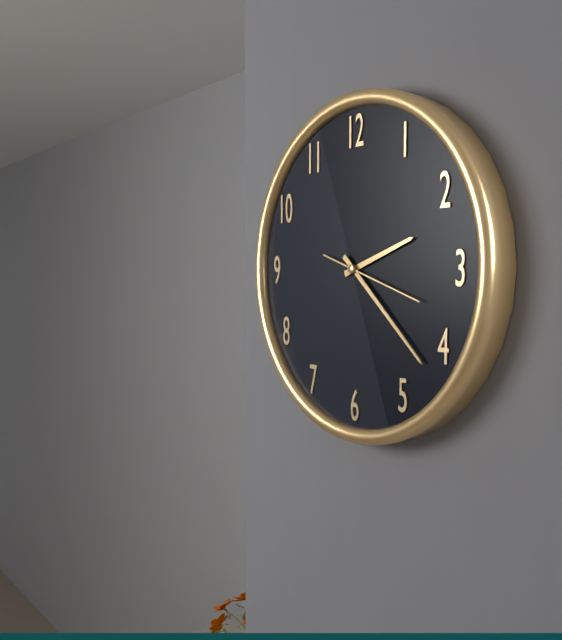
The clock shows 2.22.18
